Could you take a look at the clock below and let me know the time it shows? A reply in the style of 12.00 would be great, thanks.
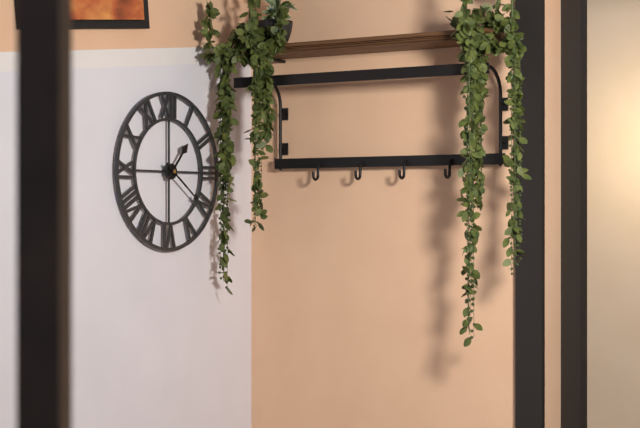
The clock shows 1.21
